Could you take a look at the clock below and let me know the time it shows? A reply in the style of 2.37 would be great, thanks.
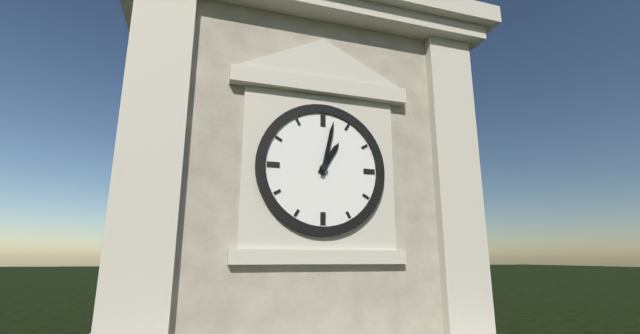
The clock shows 1.02
